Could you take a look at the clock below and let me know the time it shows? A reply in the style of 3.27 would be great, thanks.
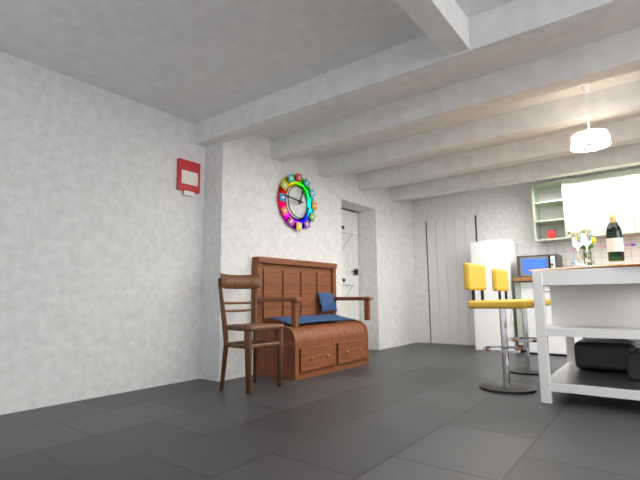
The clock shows 12.46
